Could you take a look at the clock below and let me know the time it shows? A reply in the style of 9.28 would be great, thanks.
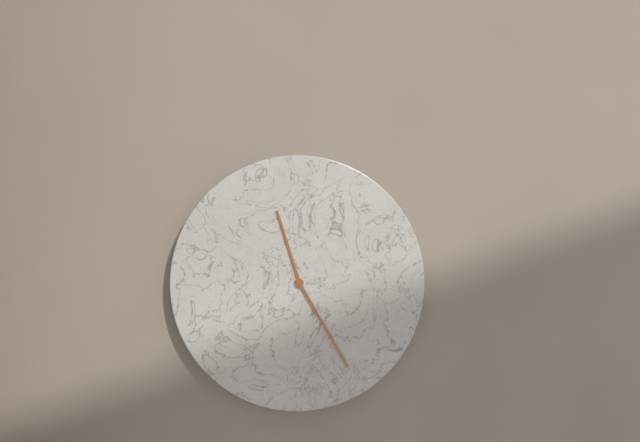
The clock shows 11.25
